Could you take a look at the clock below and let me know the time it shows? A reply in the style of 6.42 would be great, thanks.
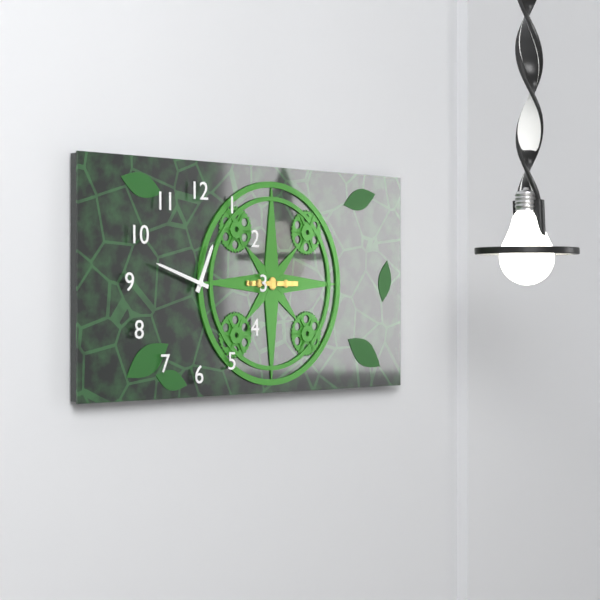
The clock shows 12.48
